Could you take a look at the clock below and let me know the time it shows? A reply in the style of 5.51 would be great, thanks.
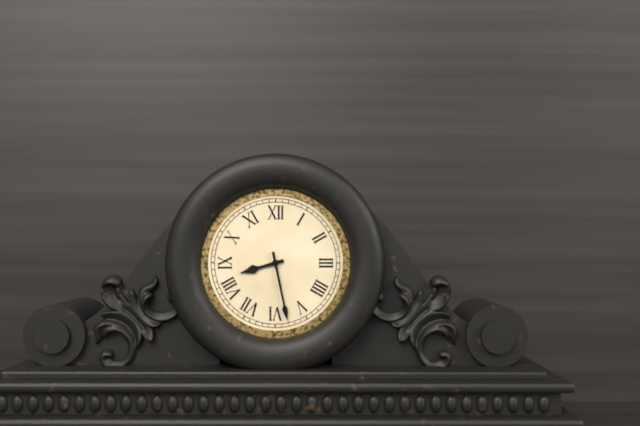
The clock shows 8.28
